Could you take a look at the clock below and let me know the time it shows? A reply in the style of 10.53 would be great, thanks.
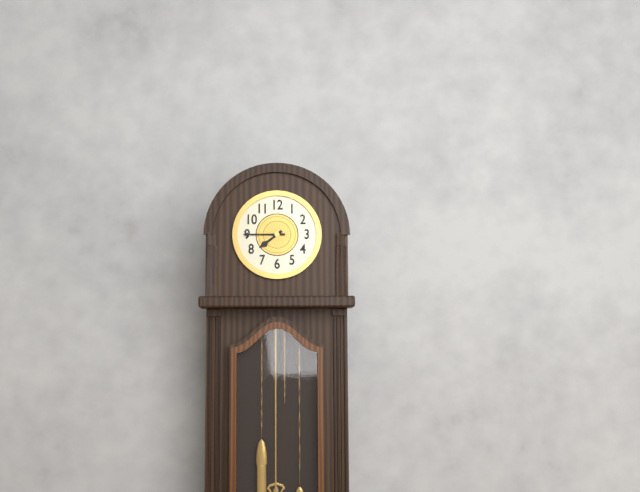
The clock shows 7.45
